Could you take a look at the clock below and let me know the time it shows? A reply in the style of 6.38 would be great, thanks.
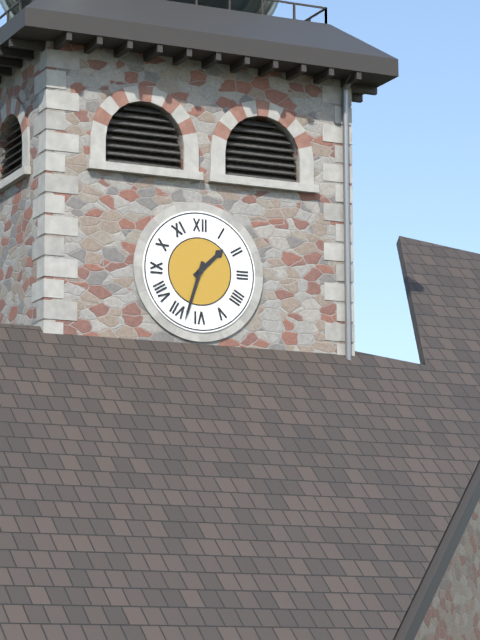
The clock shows 1.33
